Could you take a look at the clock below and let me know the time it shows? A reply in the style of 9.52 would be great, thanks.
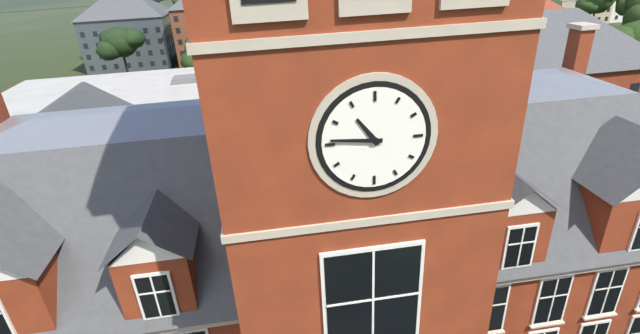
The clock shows 10.46
